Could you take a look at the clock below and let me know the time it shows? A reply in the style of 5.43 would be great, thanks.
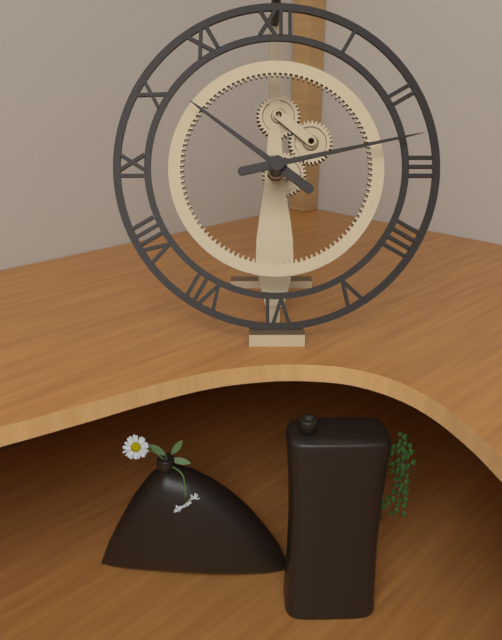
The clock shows 10.13
